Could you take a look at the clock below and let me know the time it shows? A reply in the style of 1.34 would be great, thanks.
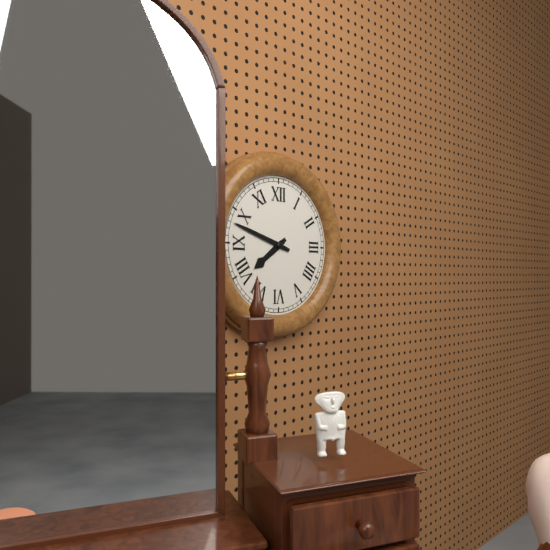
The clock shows 7.48
